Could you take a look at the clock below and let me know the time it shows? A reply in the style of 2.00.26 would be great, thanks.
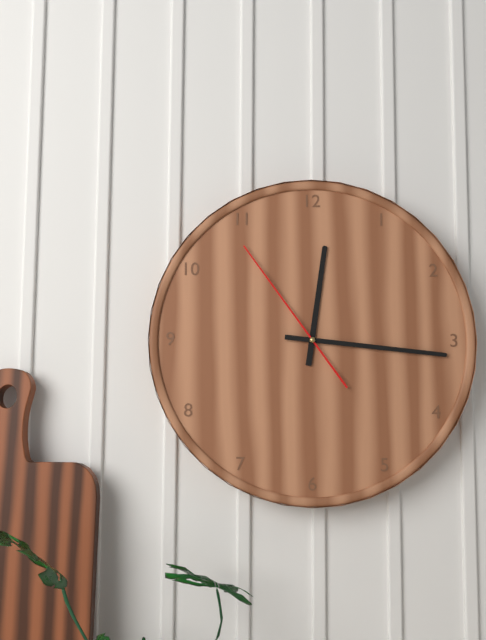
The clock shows 12.16.54
